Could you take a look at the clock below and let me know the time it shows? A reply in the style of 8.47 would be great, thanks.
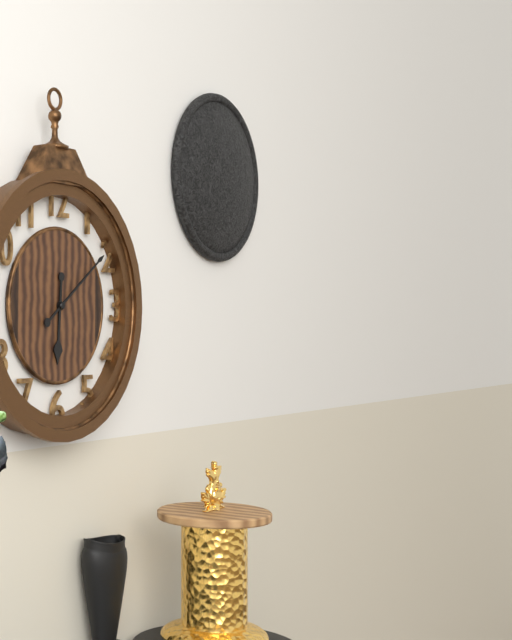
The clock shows 6.09
